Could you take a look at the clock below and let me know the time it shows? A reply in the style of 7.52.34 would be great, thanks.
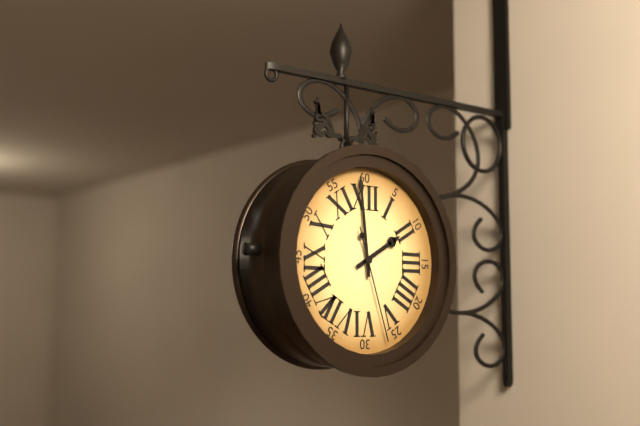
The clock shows 1.59.27
